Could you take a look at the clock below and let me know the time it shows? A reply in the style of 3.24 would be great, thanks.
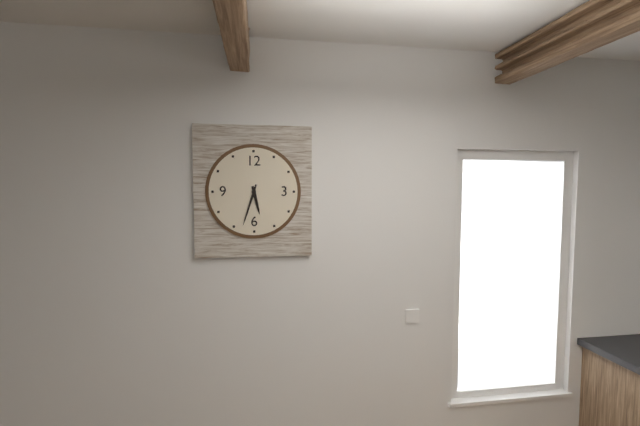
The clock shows 5.33
